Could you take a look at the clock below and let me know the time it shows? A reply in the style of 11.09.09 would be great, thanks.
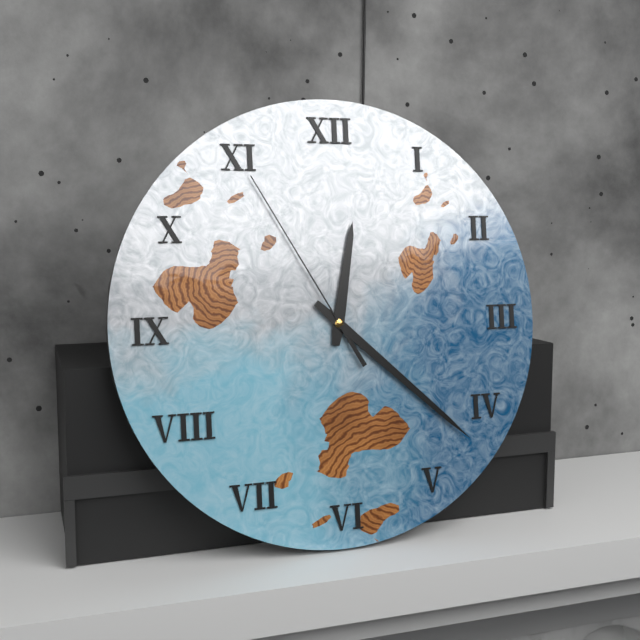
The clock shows 12.22.55
